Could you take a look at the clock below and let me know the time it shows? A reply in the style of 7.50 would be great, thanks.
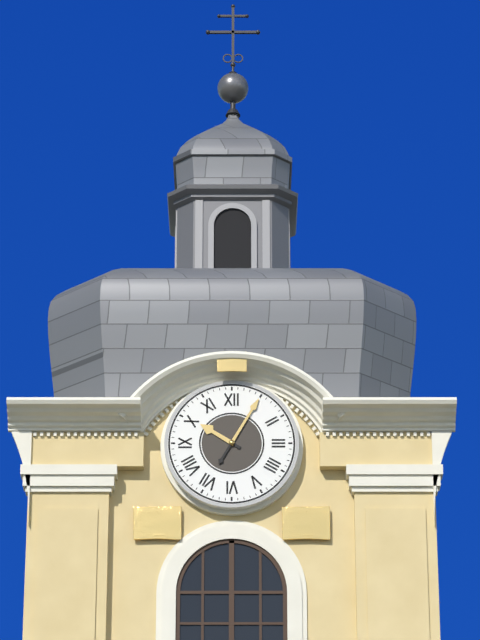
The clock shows 10.05
